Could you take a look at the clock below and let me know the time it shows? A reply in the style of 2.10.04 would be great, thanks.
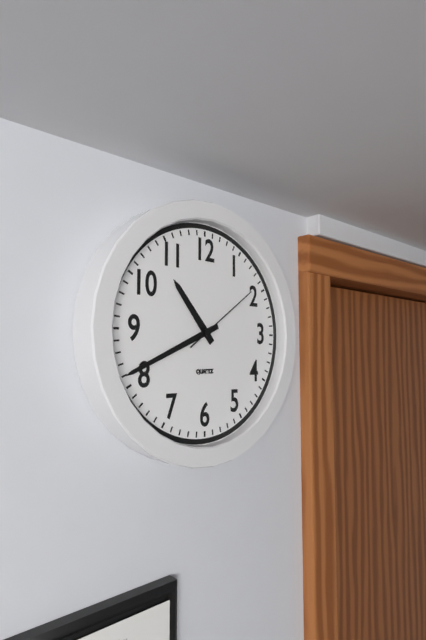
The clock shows 10.41.09
